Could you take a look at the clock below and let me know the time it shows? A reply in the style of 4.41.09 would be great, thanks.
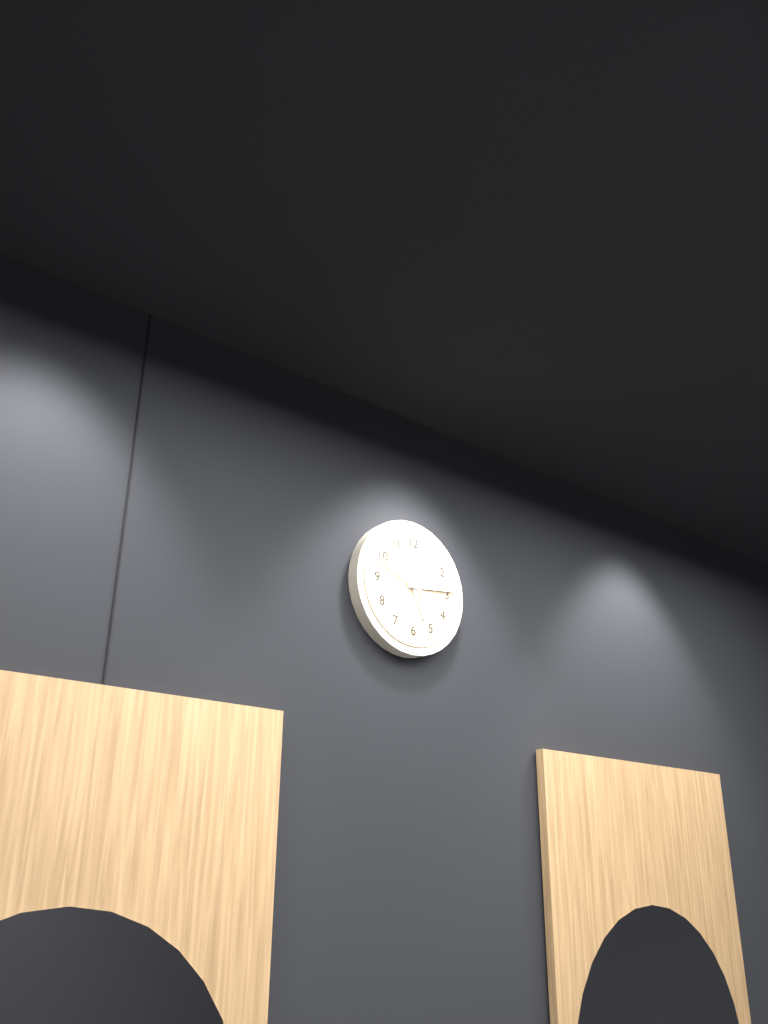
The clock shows 5.14.49
